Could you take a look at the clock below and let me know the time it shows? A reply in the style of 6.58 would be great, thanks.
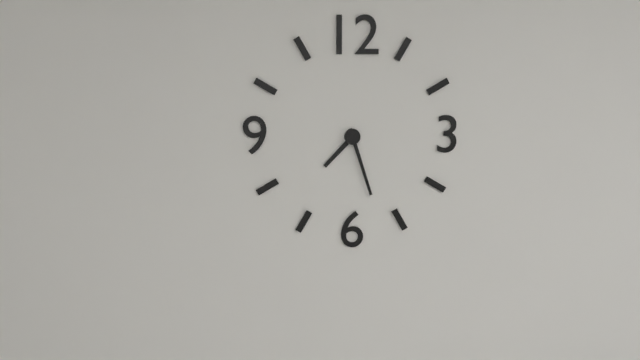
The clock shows 7.27
